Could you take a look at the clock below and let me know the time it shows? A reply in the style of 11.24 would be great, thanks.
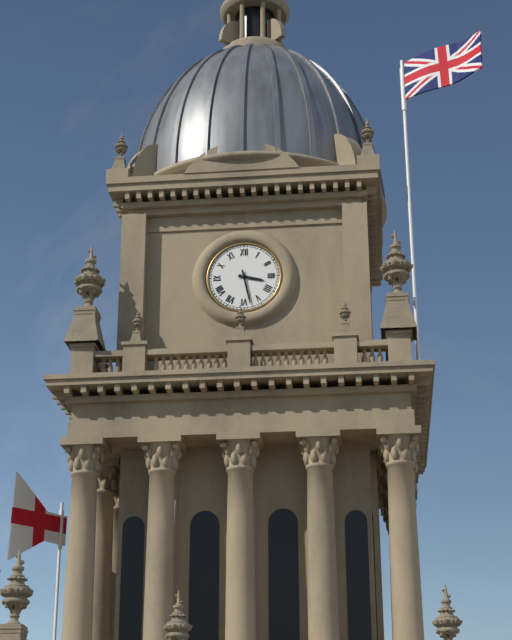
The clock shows 3.28
